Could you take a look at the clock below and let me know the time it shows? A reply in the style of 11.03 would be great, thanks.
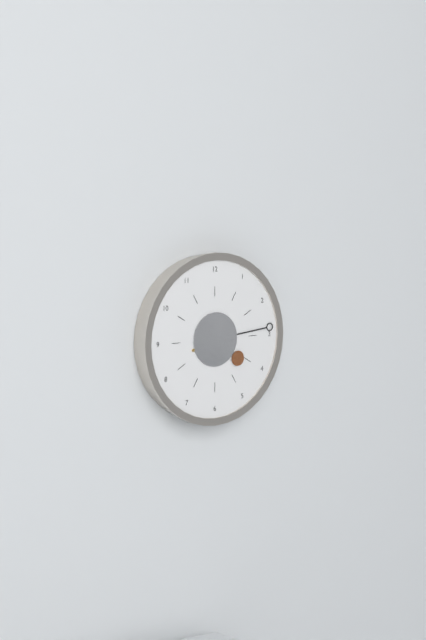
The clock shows 4.14
